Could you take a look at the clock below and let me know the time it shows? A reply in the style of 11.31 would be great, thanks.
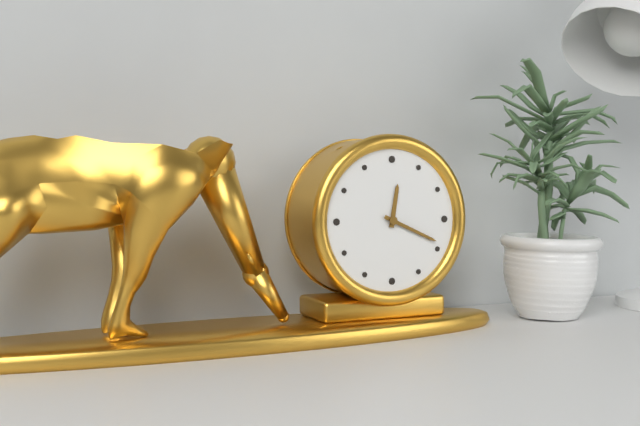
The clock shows 12.19
